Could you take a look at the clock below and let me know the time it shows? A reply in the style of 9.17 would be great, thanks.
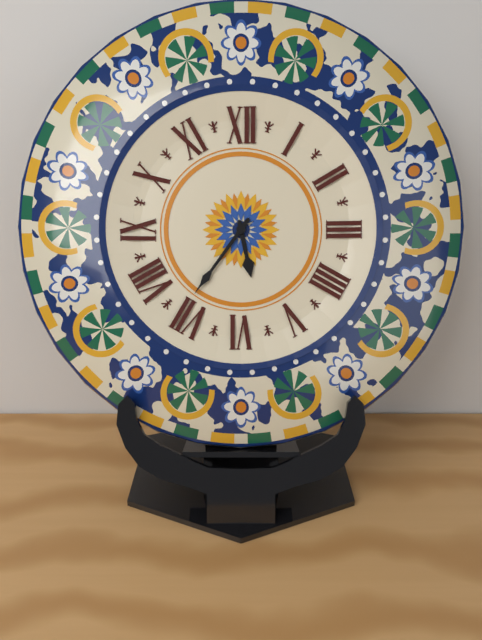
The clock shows 5.36
